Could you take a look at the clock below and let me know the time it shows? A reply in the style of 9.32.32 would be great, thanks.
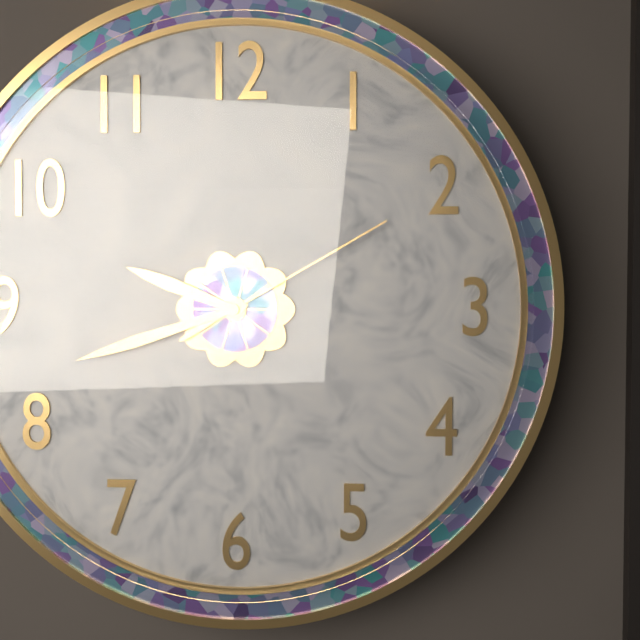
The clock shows 9.42.10
